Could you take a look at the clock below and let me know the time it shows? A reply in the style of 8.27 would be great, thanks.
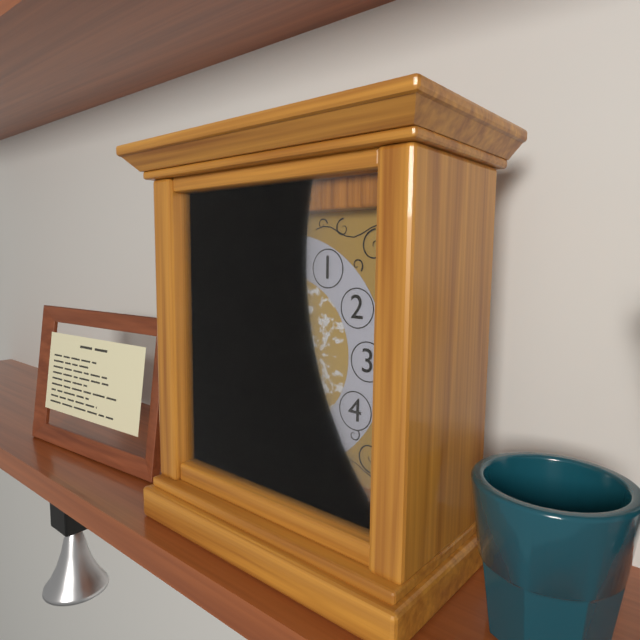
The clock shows 10.00
